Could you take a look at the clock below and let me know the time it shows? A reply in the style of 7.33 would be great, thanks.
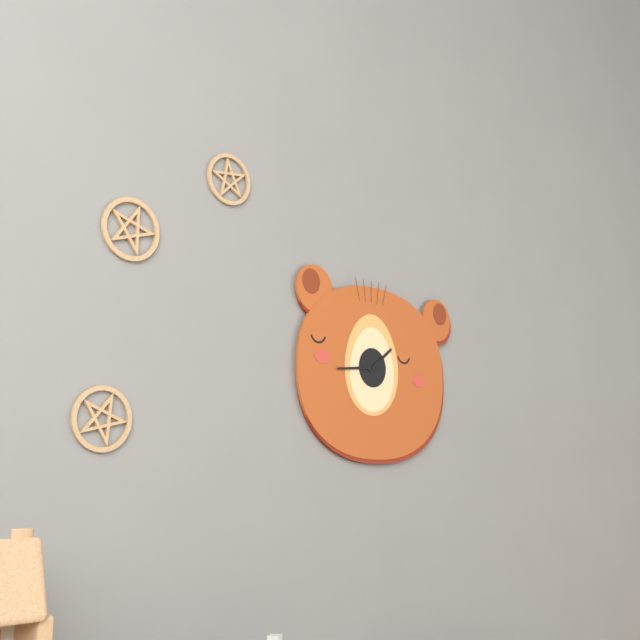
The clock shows 1.44
